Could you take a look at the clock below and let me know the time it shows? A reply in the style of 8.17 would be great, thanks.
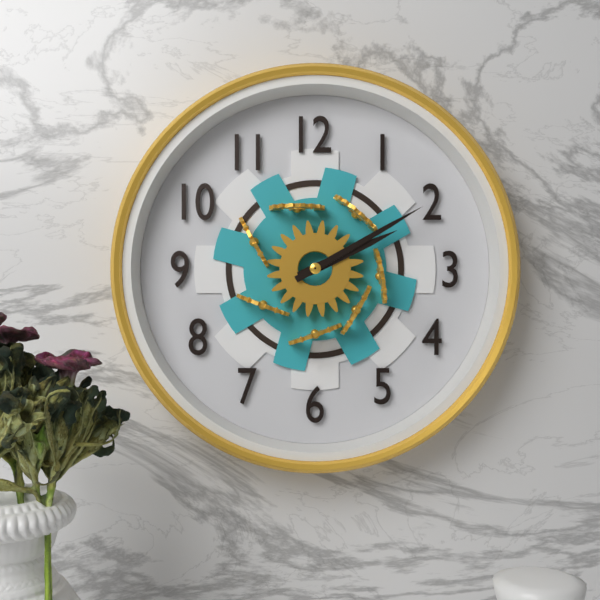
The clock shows 2.10
